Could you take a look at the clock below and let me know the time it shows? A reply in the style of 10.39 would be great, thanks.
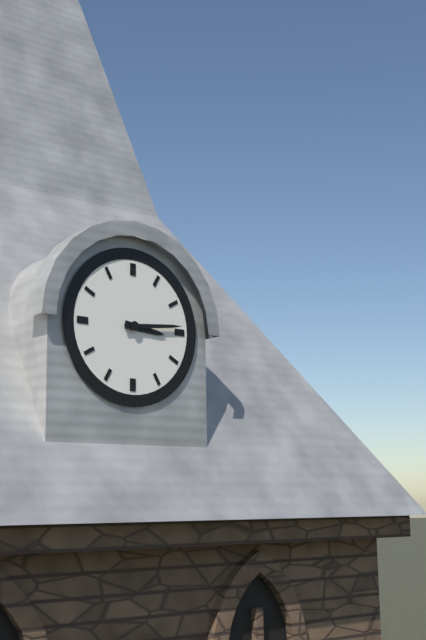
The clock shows 3.14
